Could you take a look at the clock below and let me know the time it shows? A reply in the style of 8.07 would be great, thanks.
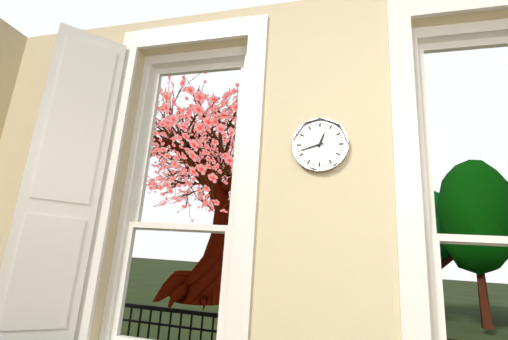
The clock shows 12.42
